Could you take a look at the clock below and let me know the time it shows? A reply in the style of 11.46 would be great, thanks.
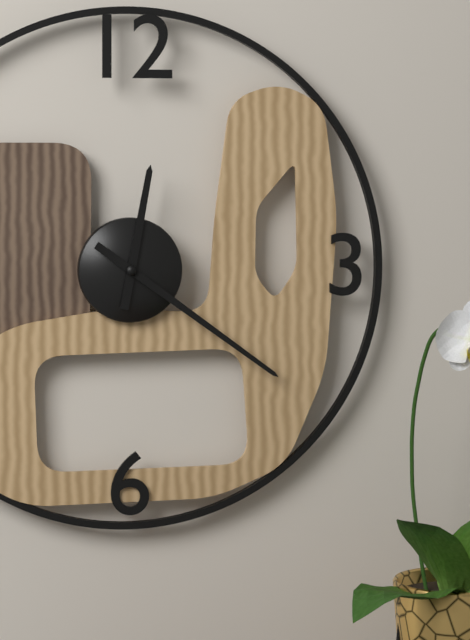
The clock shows 12.21
